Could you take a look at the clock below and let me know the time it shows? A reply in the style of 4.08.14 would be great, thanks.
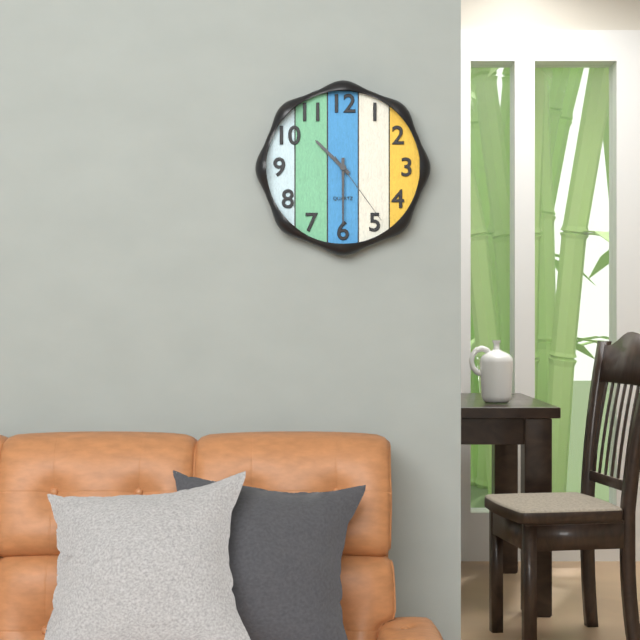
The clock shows 10.30.24
